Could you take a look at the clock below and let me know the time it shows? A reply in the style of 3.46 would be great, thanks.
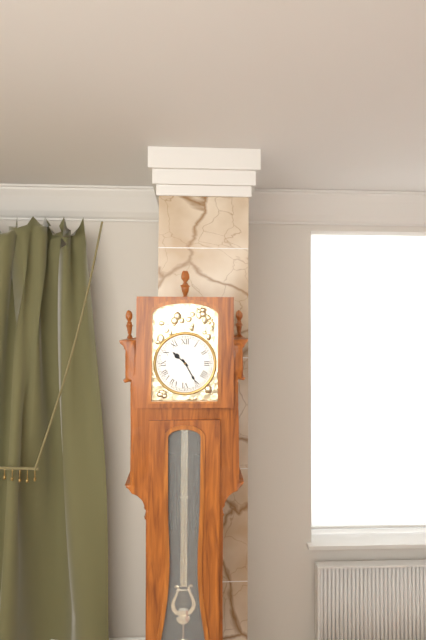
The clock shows 10.25
